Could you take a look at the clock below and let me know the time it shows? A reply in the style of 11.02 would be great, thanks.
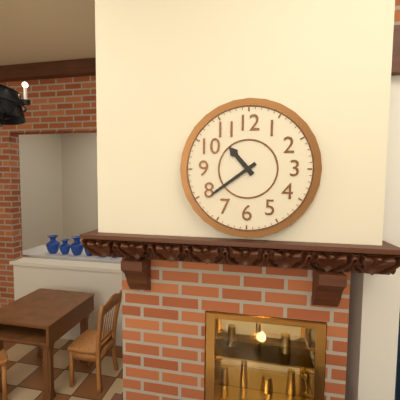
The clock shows 10.39
